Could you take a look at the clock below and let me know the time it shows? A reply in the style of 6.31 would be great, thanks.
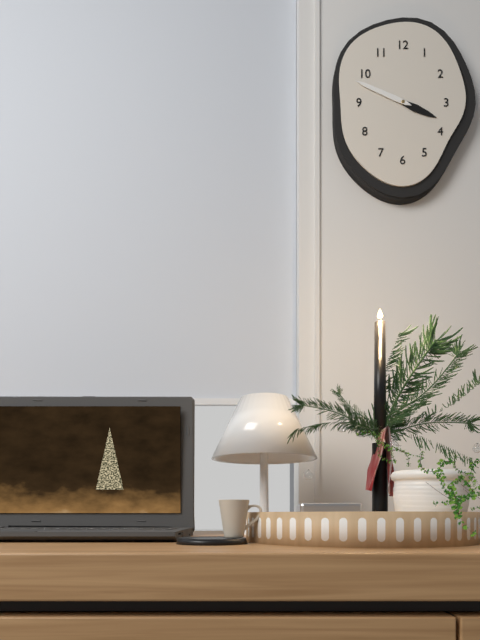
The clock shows 3.49
